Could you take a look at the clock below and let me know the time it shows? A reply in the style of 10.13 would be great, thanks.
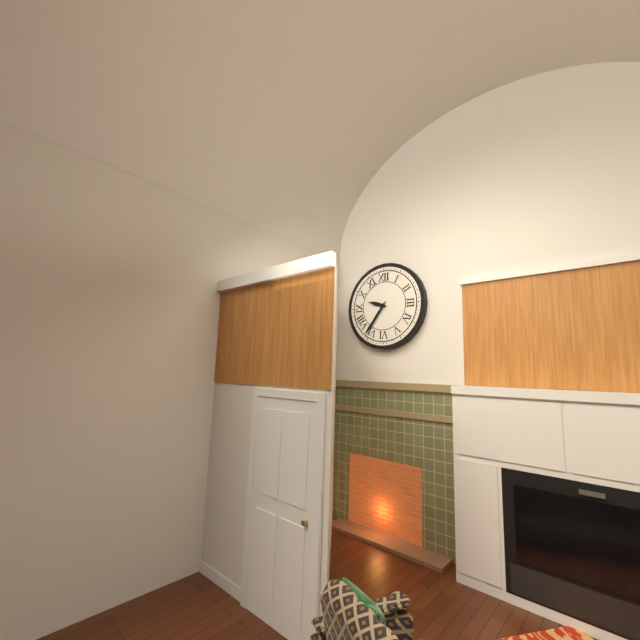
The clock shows 9.36
